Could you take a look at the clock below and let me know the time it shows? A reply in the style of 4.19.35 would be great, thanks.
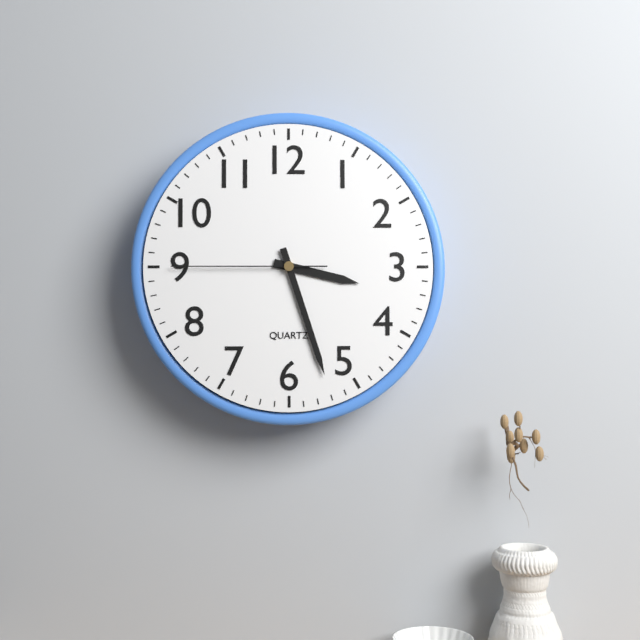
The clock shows 3.27.45
